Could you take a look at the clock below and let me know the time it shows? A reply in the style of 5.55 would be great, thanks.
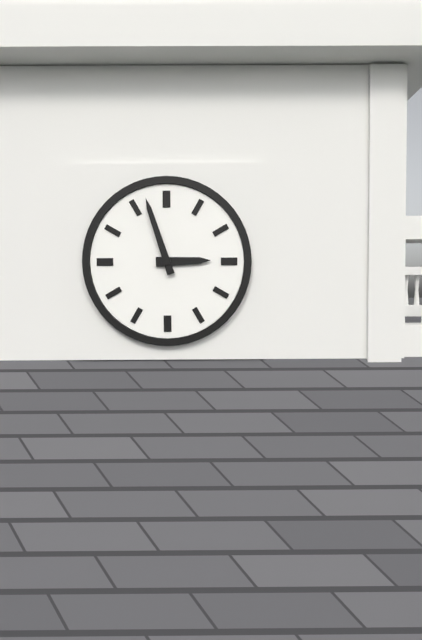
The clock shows 2.57
